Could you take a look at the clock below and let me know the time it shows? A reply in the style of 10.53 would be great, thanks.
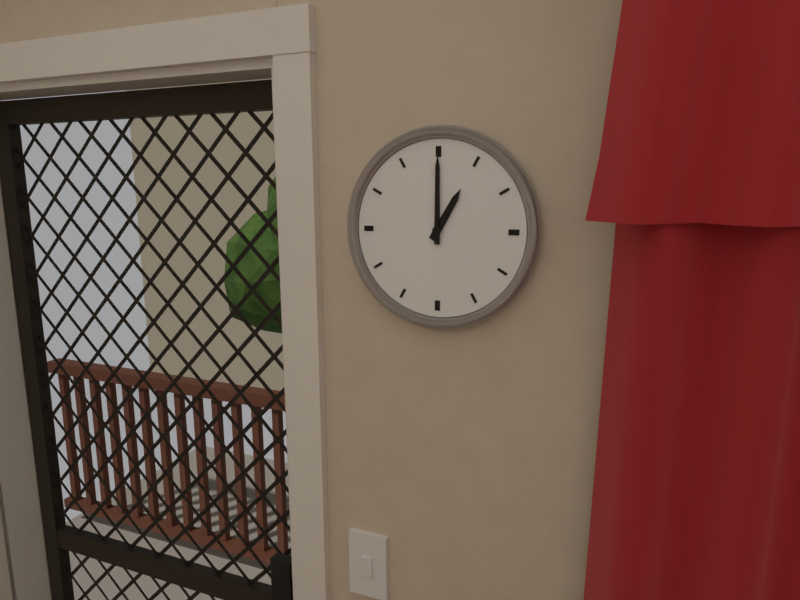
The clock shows 1.00
